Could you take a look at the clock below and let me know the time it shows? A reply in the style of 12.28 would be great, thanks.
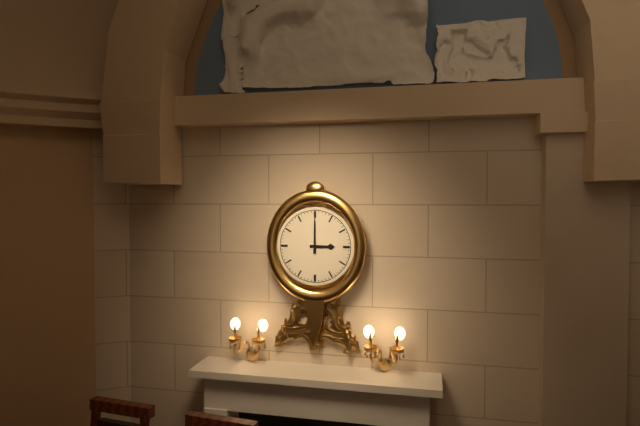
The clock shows 3.00
